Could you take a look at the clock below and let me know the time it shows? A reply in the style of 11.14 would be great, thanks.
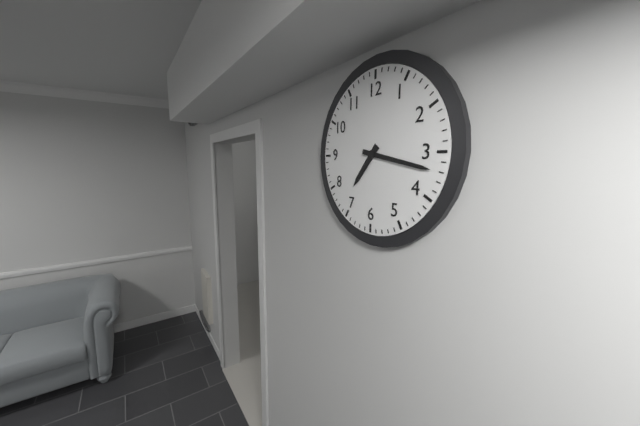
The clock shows 7.17
